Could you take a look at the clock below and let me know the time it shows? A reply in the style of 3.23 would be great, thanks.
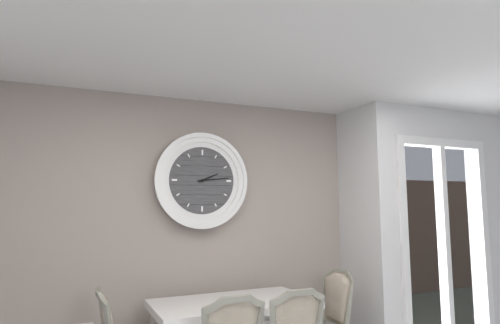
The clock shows 2.14
